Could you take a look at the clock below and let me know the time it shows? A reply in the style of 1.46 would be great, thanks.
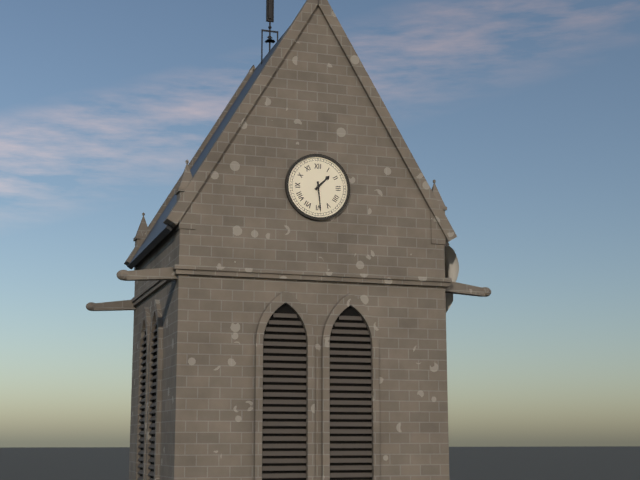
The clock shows 1.29
